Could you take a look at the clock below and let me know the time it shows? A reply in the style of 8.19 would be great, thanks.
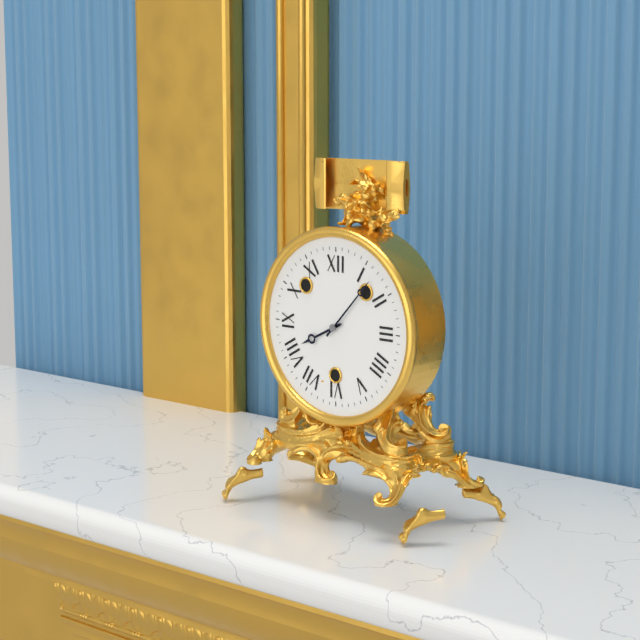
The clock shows 8.07
